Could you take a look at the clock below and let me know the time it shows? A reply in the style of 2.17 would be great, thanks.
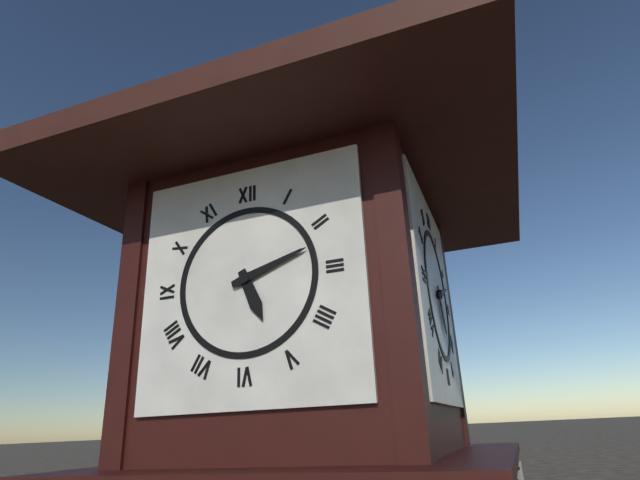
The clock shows 5.12
